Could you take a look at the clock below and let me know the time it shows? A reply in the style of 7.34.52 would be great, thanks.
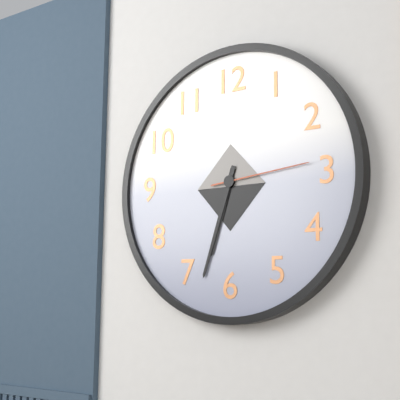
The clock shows 6.33.14
